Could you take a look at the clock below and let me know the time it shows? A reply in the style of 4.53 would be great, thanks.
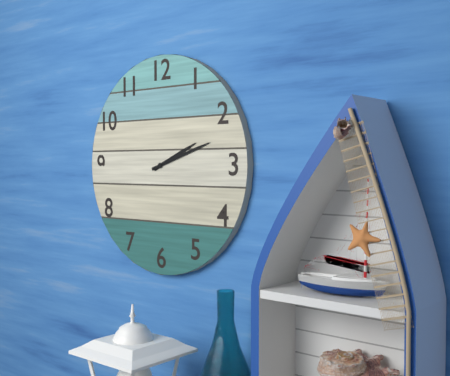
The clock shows 2.12
